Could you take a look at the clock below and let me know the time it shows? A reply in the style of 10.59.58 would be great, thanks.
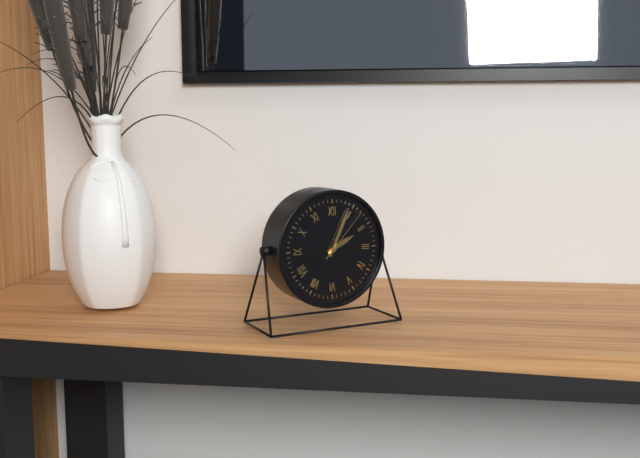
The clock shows 2.04.07
